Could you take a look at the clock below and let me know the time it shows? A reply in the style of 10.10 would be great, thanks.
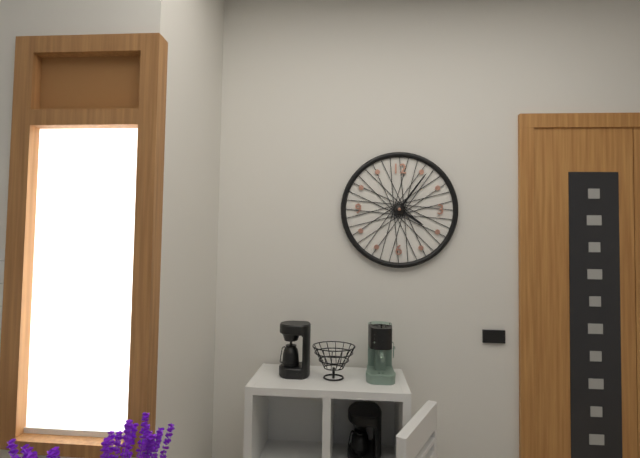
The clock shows 4.06
